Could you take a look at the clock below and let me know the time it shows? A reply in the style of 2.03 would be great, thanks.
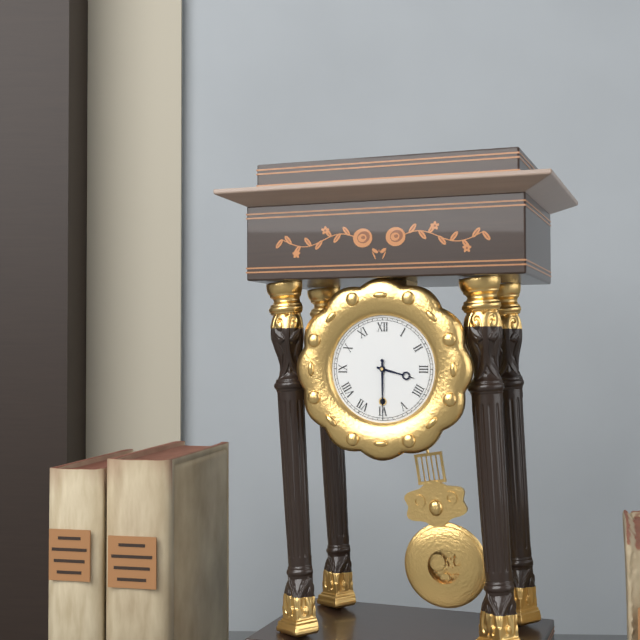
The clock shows 3.30
